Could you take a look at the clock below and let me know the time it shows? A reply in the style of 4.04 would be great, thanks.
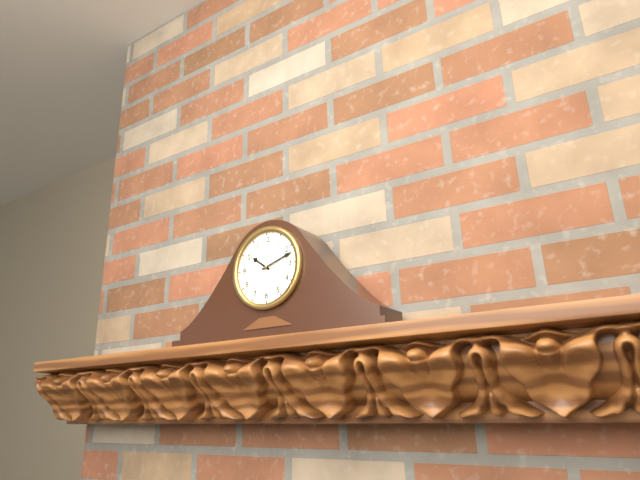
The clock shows 10.12
